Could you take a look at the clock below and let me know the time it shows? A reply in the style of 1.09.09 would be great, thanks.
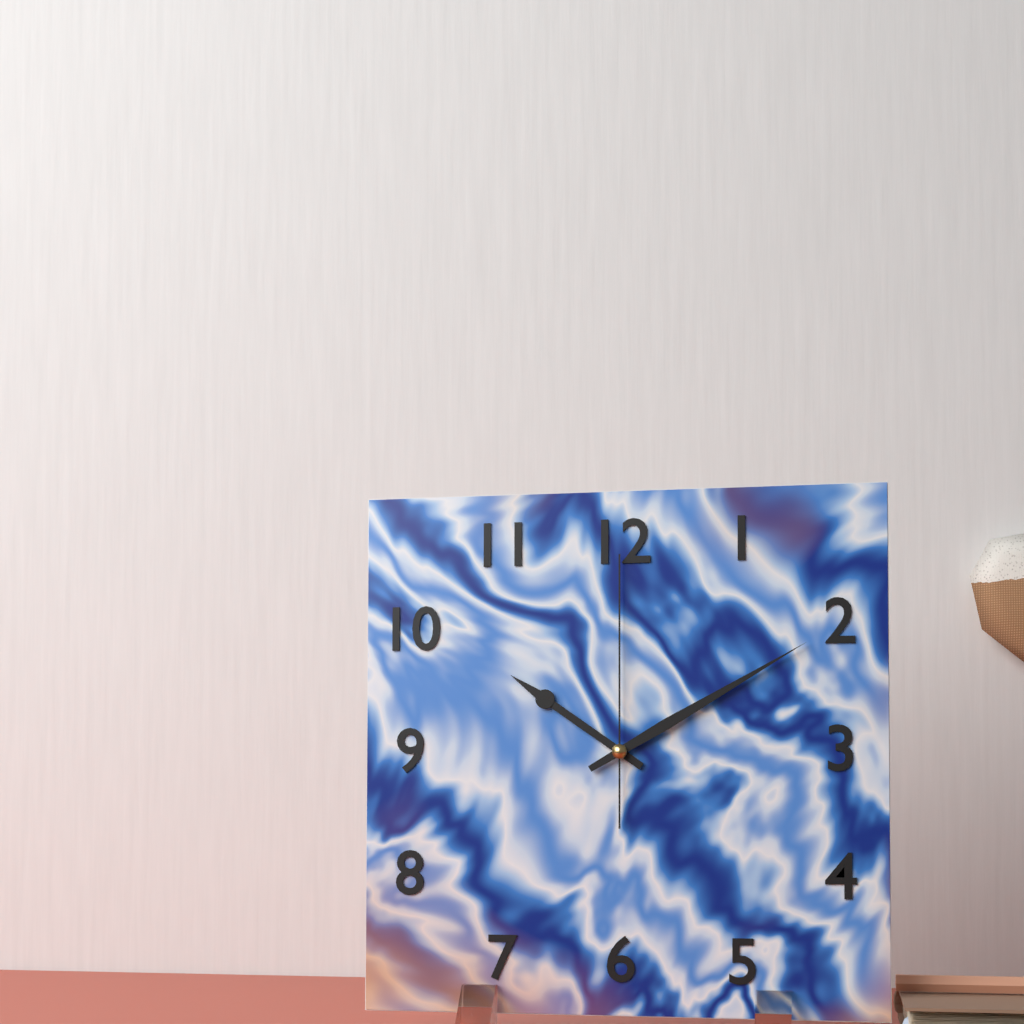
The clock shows 10.10.00
